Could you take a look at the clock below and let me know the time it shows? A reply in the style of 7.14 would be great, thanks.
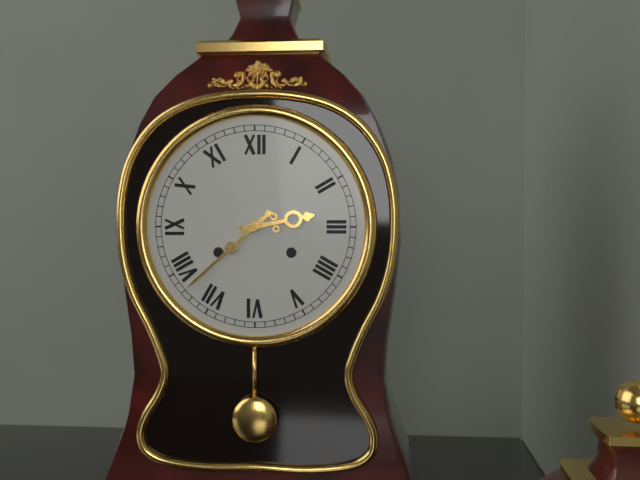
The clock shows 2.38
